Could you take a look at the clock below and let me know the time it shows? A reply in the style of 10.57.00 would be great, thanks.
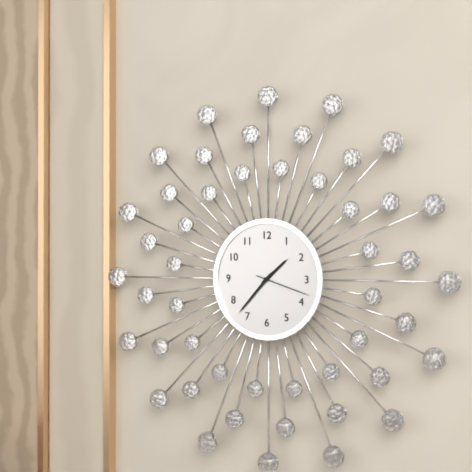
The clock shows 1.37.18
